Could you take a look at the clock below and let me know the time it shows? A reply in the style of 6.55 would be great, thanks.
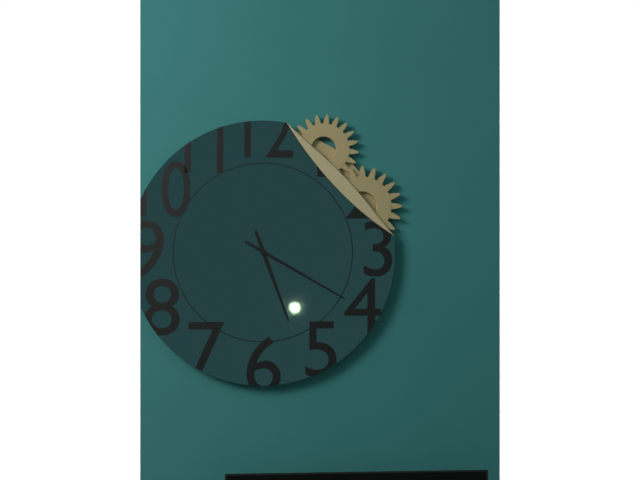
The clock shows 5.20
